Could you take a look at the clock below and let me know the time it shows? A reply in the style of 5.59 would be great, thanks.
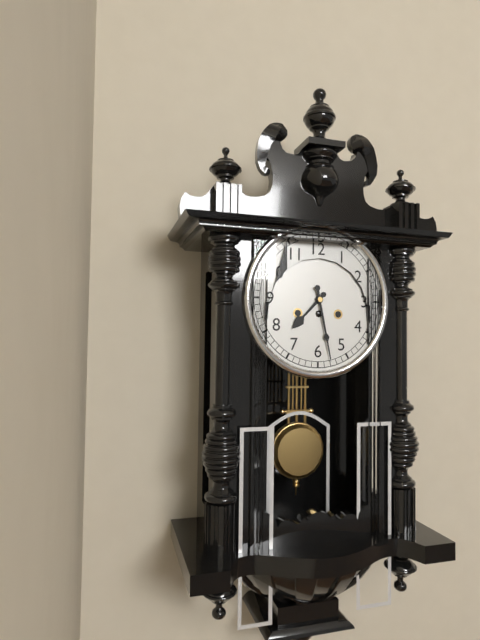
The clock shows 7.28
